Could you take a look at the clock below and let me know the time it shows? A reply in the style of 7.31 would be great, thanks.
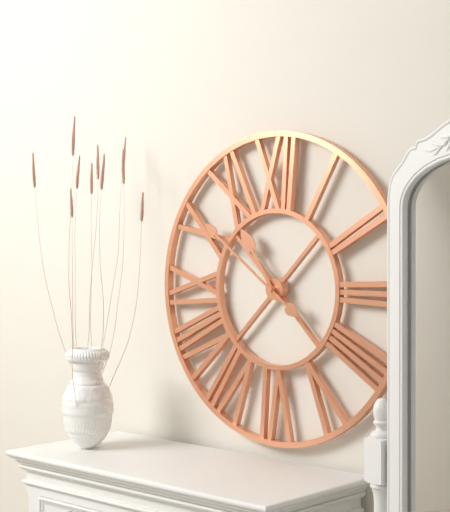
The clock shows 10.51
